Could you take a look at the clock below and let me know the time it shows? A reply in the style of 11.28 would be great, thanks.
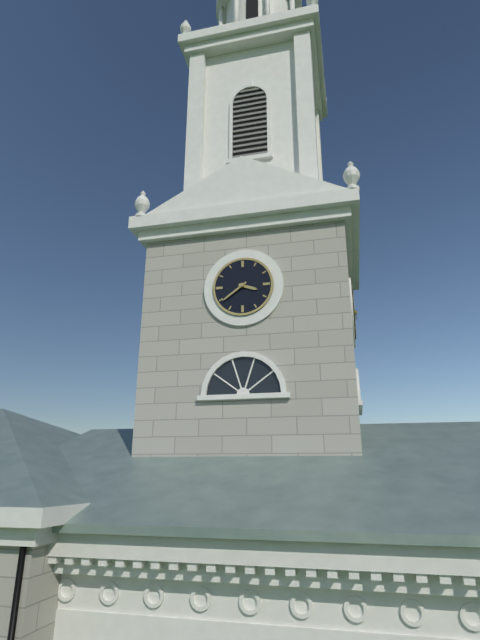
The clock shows 3.39
